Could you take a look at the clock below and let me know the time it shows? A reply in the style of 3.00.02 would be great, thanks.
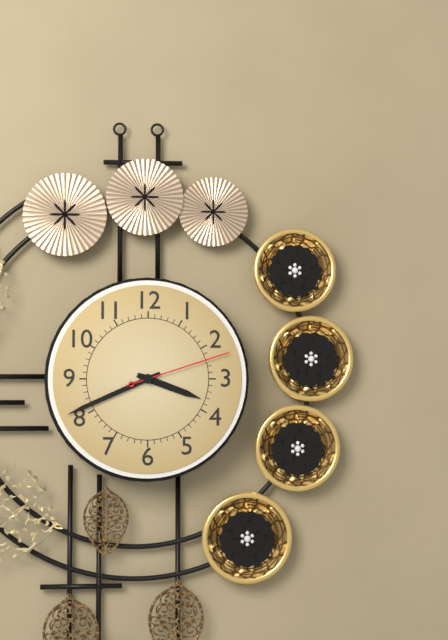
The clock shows 3.41.12
